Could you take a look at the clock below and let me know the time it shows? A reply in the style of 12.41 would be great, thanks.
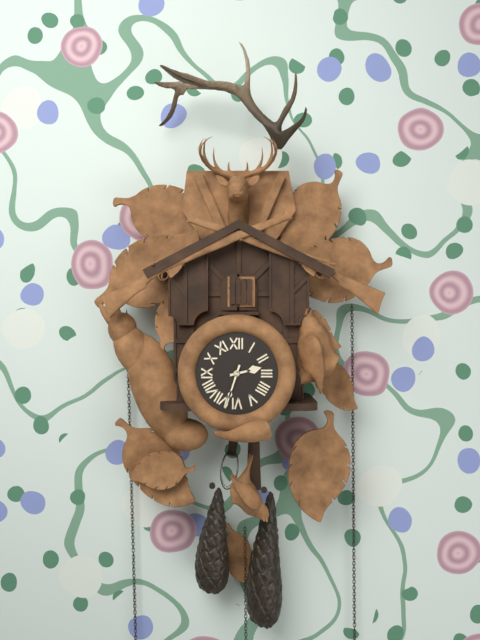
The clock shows 2.33
